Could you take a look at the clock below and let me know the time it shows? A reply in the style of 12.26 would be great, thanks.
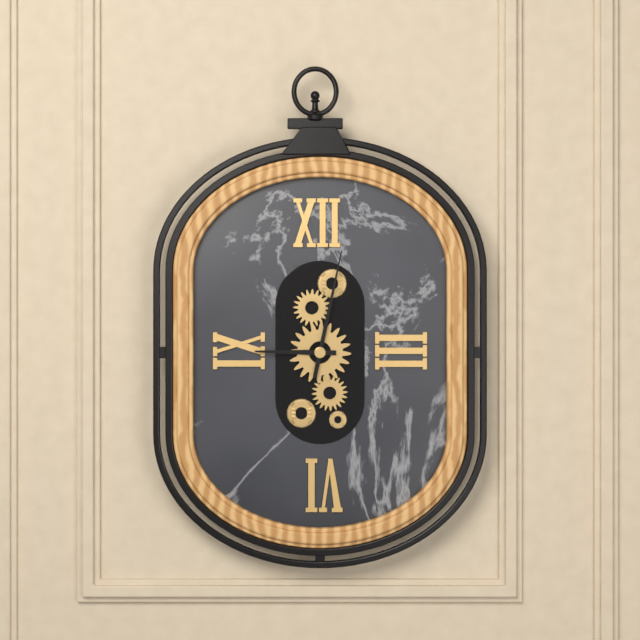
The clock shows 9.02
